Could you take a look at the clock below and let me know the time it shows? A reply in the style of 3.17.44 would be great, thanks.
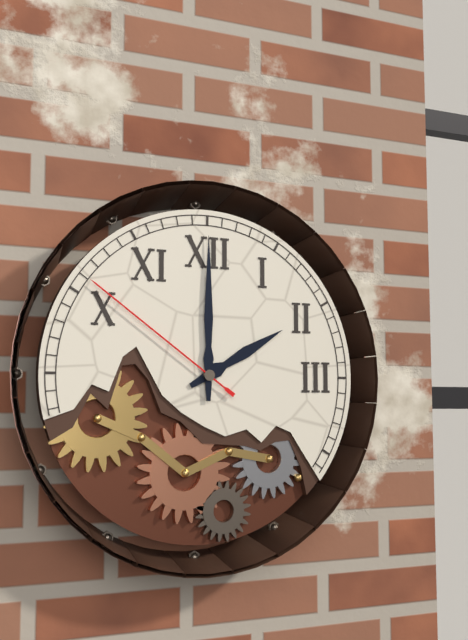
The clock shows 2.00.51
